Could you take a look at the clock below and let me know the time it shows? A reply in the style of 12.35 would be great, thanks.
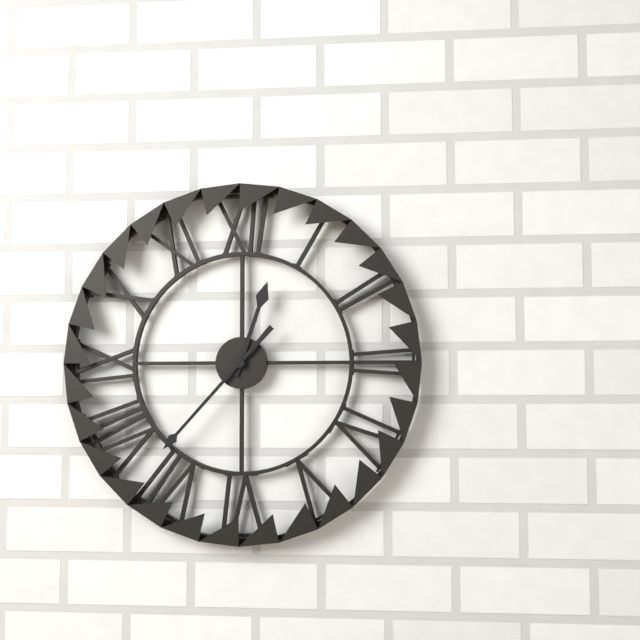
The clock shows 12.37
